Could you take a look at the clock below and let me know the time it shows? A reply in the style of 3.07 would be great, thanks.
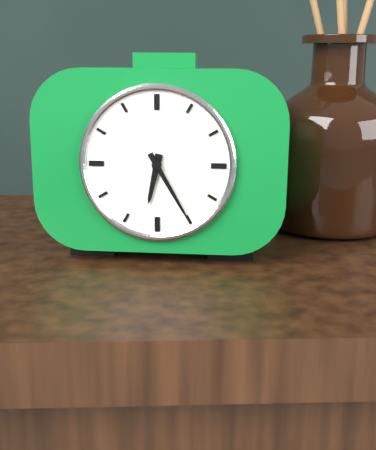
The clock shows 6.25
